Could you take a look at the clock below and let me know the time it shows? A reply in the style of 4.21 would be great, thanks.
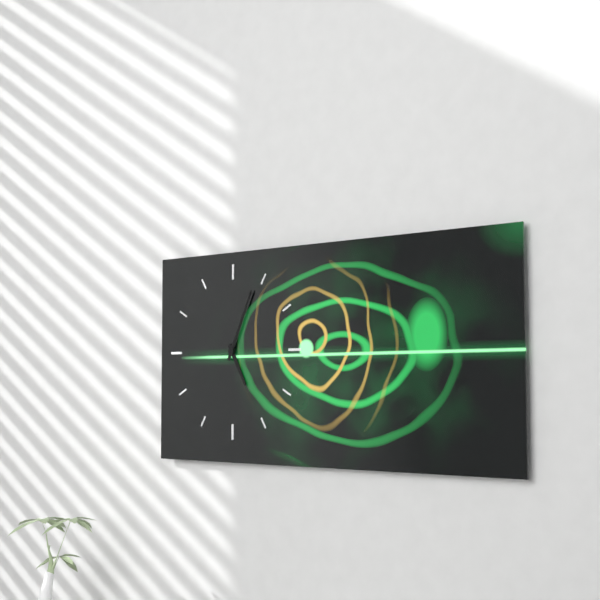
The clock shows 5.04
